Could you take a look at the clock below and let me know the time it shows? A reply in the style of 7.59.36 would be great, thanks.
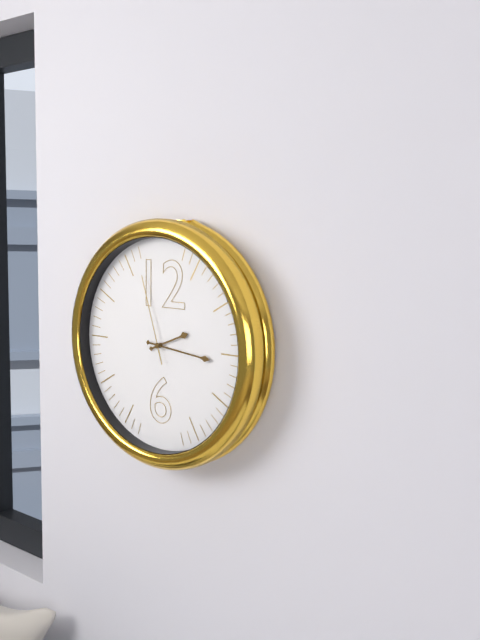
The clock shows 2.16.57
